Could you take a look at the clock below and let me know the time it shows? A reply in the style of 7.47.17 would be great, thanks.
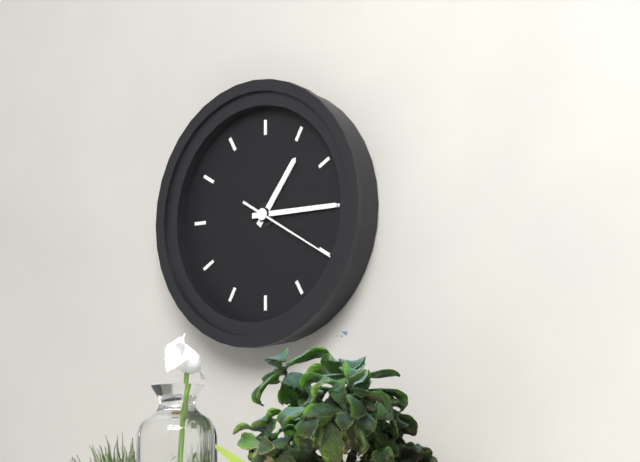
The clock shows 1.15.20
